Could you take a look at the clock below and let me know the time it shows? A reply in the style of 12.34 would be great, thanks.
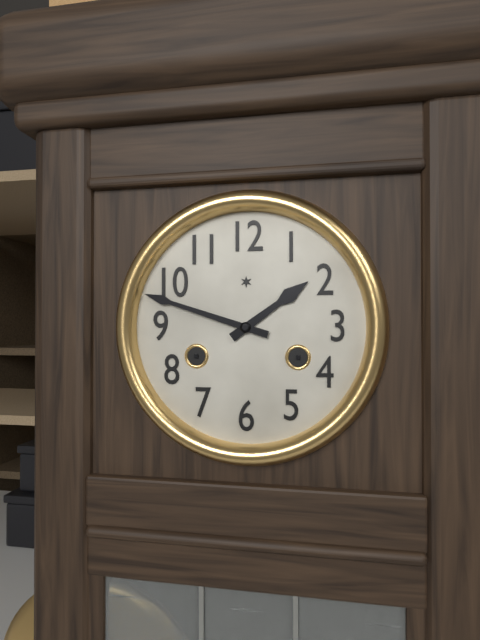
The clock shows 1.48
